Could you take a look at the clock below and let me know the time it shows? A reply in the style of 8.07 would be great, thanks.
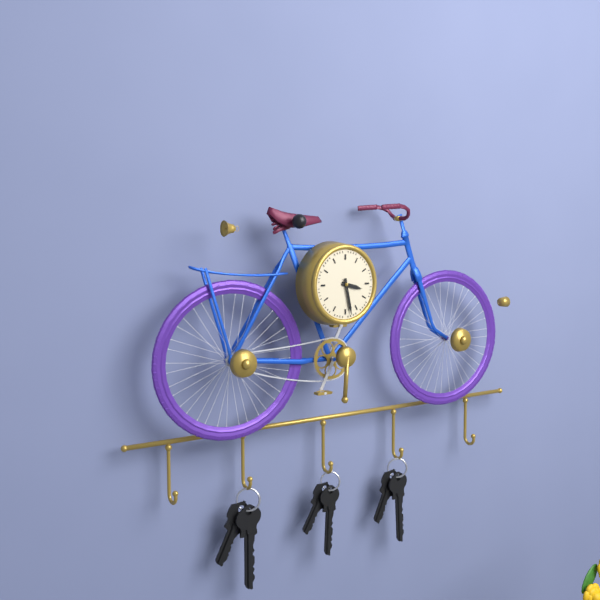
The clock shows 3.28
